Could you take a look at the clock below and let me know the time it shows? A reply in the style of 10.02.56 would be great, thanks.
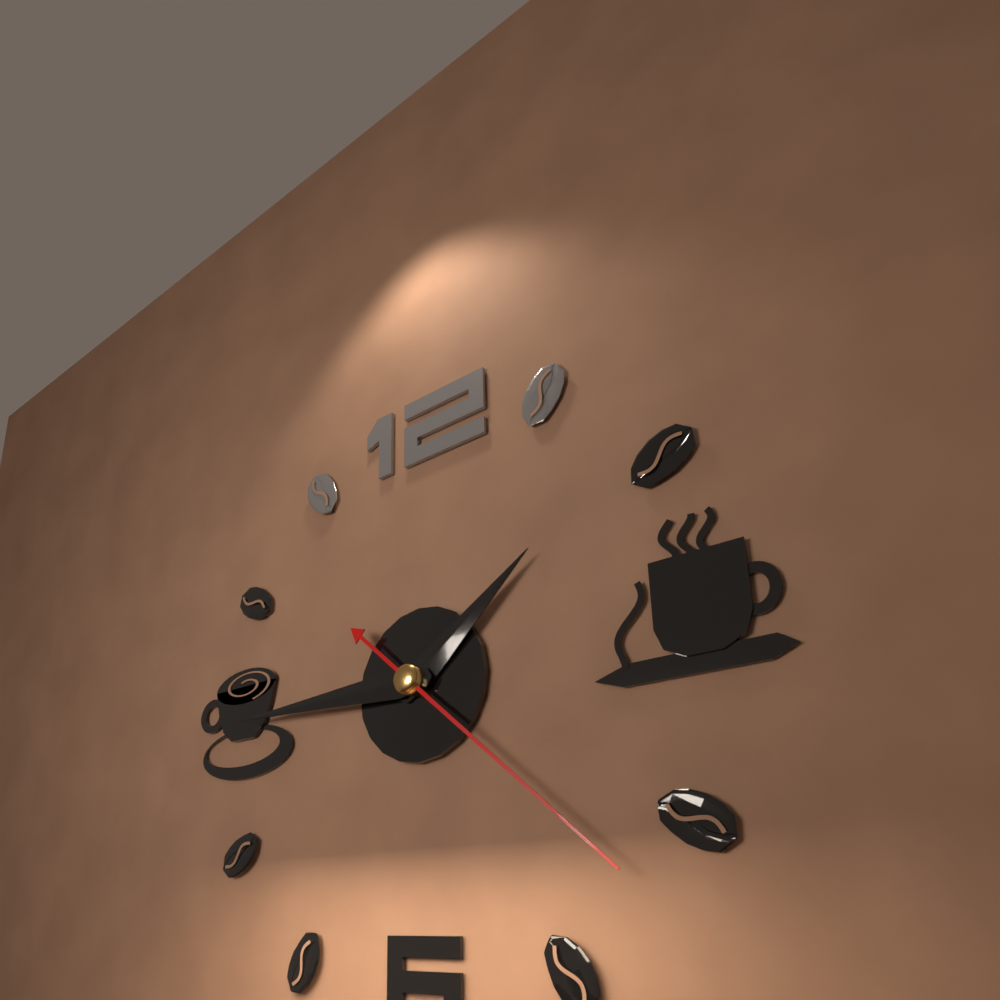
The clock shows 1.45.22
